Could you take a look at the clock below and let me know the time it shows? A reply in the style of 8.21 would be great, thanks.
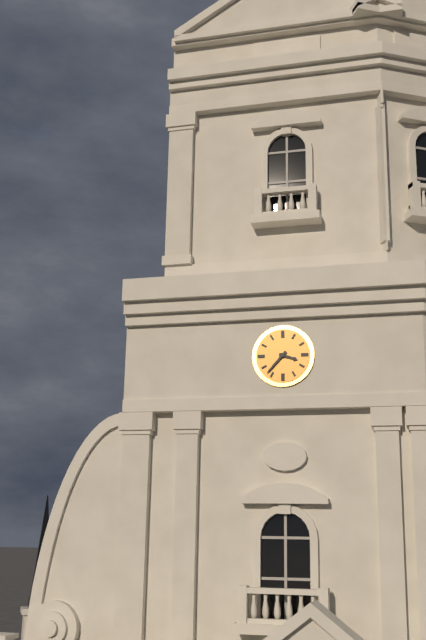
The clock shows 3.37
